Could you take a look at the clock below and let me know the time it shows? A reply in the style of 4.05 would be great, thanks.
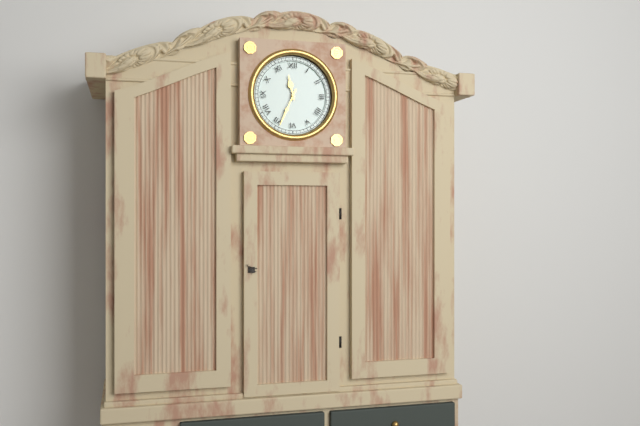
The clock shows 11.34
